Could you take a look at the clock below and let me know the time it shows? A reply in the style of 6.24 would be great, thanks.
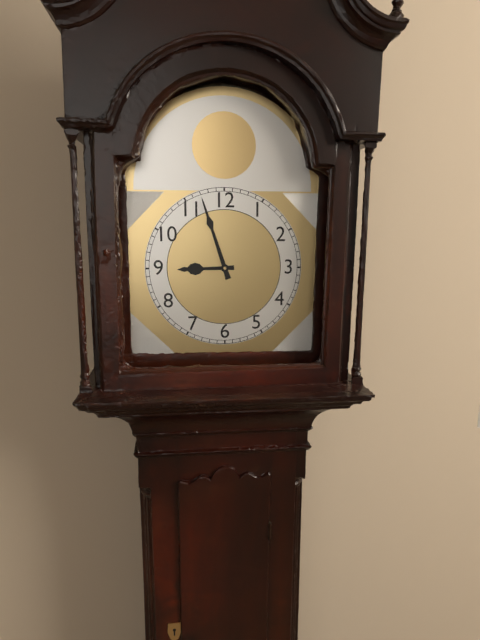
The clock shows 8.57
